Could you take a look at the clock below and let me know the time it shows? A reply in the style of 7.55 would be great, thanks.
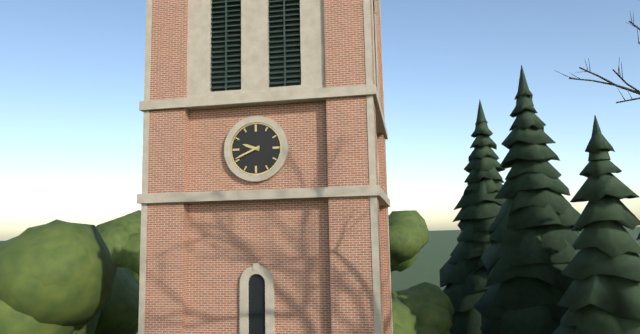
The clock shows 9.41
